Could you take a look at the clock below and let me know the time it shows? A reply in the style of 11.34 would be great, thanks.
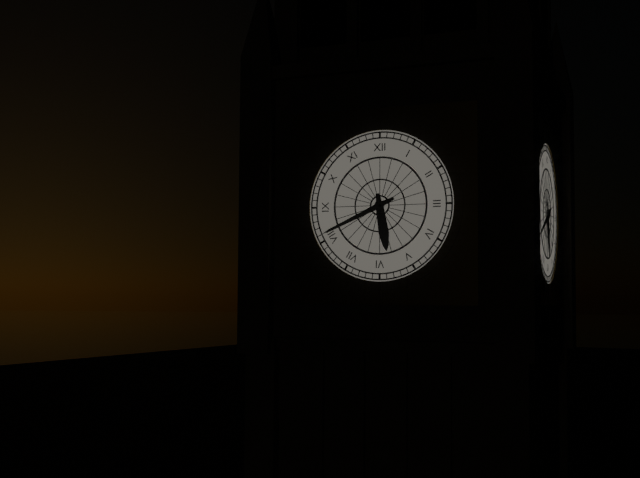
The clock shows 5.41
